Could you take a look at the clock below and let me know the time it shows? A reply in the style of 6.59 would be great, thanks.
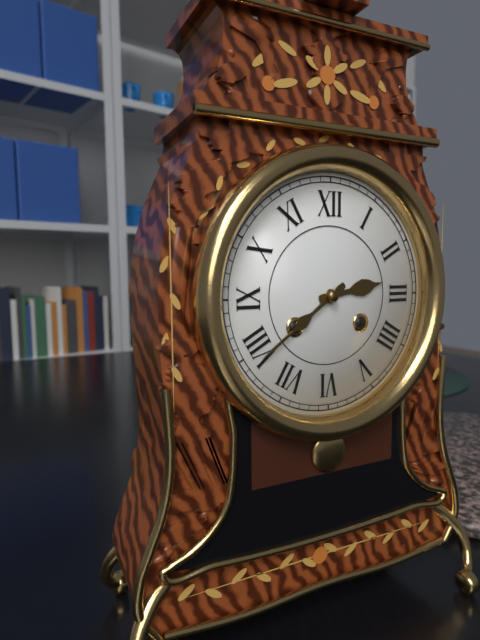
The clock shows 2.39
